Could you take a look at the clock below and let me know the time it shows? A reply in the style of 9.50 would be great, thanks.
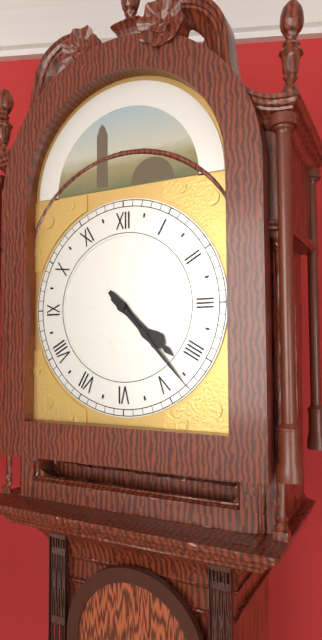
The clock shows 4.23
